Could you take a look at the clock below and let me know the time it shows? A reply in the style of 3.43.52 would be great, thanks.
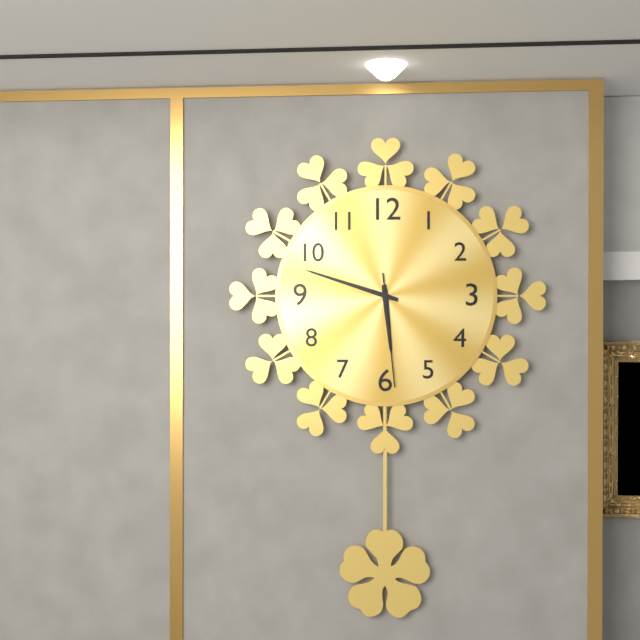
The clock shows 5.48.29
